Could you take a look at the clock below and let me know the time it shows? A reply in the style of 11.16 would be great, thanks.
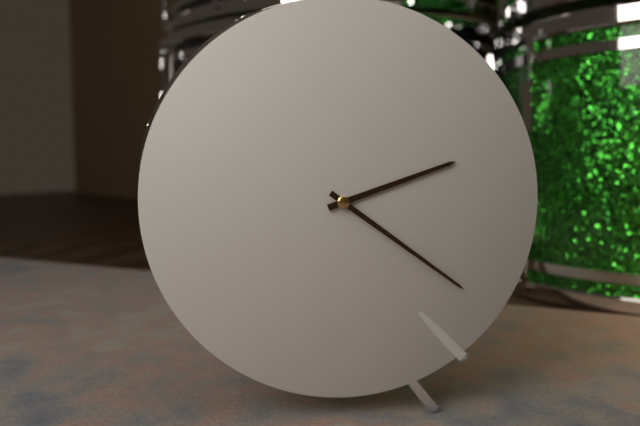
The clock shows 2.21
